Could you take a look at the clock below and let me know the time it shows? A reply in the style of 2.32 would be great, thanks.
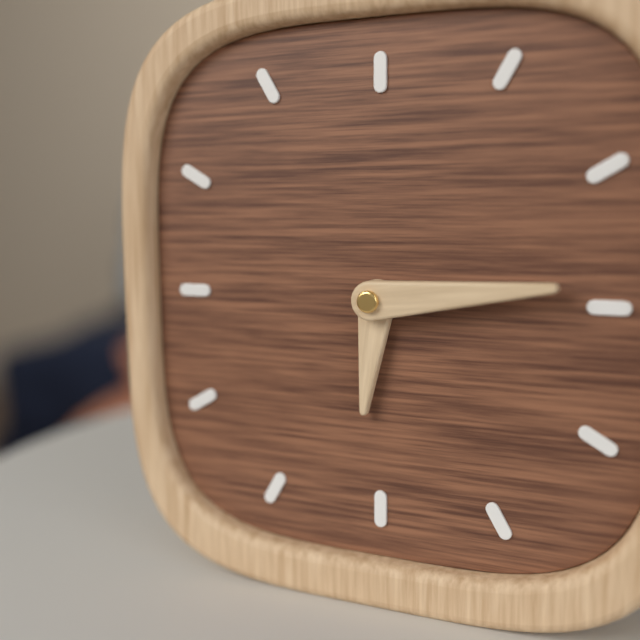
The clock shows 6.14
